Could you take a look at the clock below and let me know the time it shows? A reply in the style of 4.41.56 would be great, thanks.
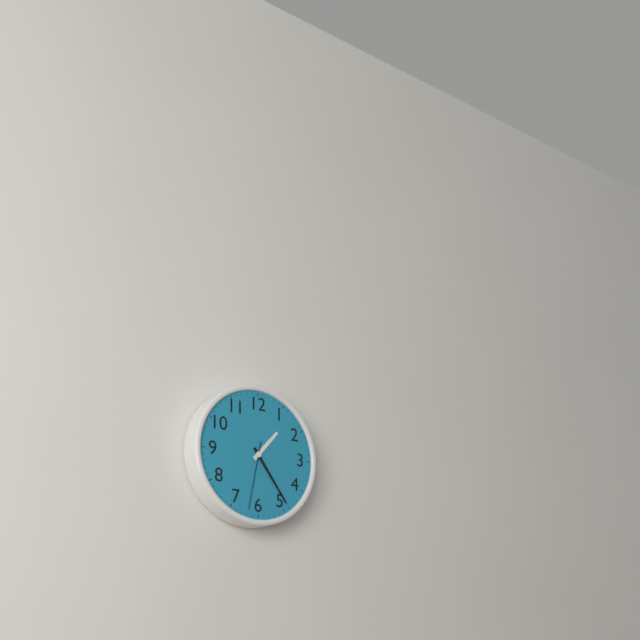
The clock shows 1.24.32
